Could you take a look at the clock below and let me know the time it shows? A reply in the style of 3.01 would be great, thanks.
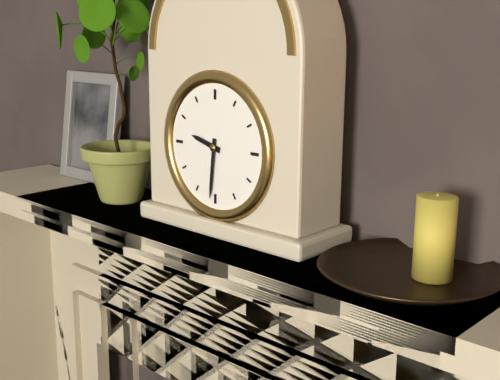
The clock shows 9.31
